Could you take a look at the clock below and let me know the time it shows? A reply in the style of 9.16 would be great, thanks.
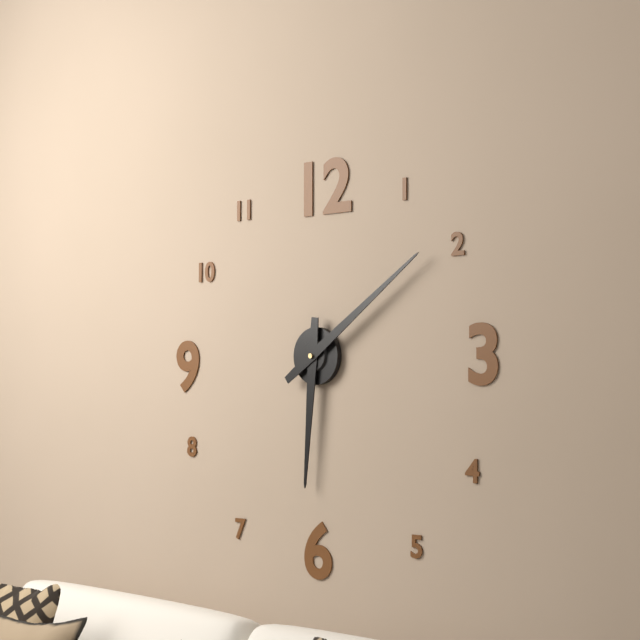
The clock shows 6.09
